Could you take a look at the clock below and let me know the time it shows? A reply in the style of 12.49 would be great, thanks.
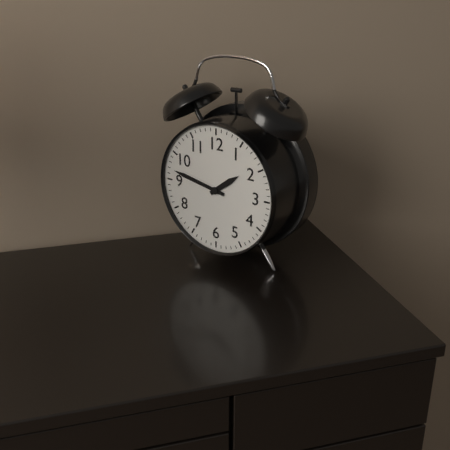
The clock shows 1.47
